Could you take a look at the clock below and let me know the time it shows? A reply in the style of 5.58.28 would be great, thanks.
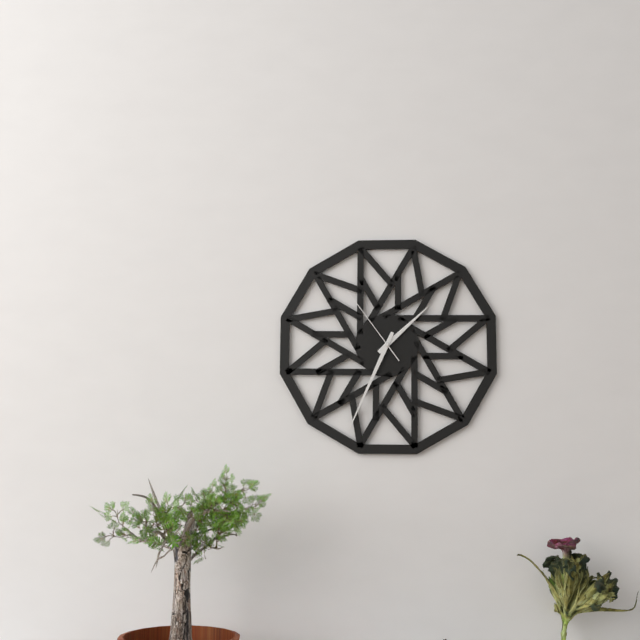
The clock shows 1.34.54
